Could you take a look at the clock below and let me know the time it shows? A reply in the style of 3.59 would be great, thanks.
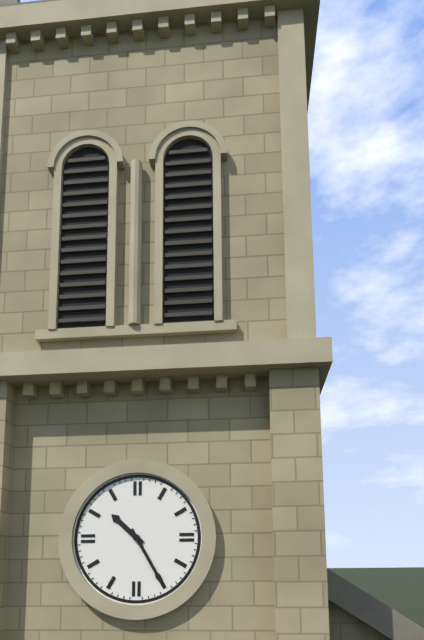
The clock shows 10.25
